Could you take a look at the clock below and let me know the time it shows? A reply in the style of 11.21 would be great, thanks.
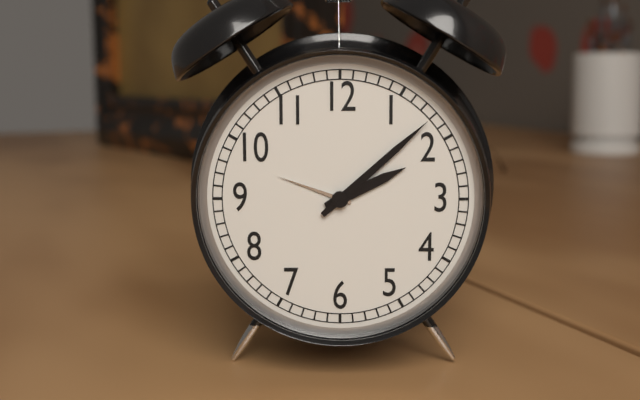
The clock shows 2.08
